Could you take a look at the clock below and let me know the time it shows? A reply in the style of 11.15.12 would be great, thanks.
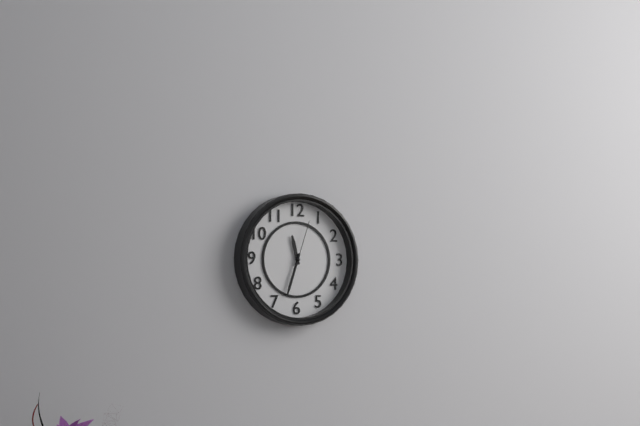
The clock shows 11.33.03
